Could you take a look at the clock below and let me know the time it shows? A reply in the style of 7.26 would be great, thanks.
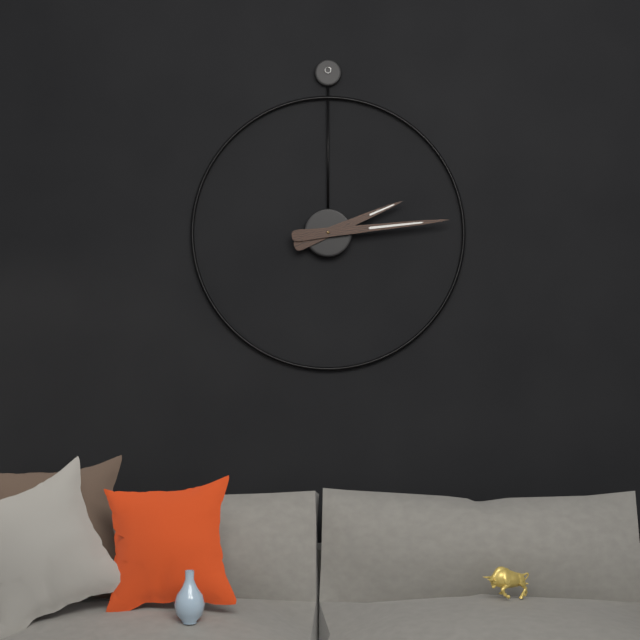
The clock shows 2.14
